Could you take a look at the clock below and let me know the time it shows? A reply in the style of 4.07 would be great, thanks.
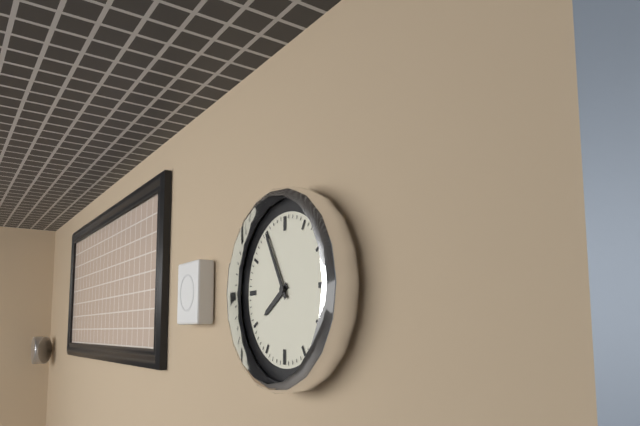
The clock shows 7.55
